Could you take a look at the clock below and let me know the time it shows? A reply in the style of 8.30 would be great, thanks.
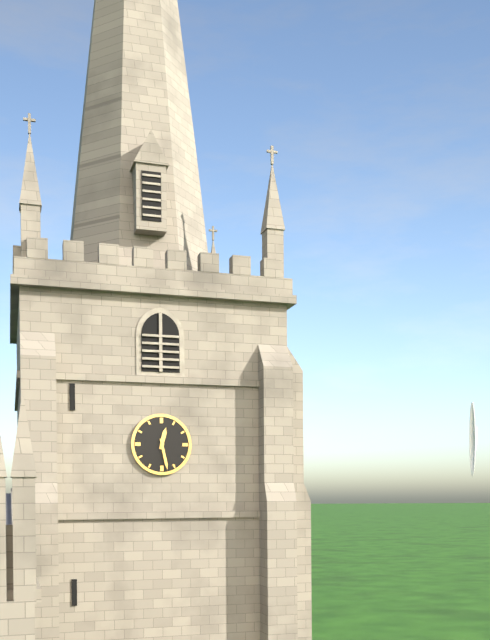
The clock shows 12.28
